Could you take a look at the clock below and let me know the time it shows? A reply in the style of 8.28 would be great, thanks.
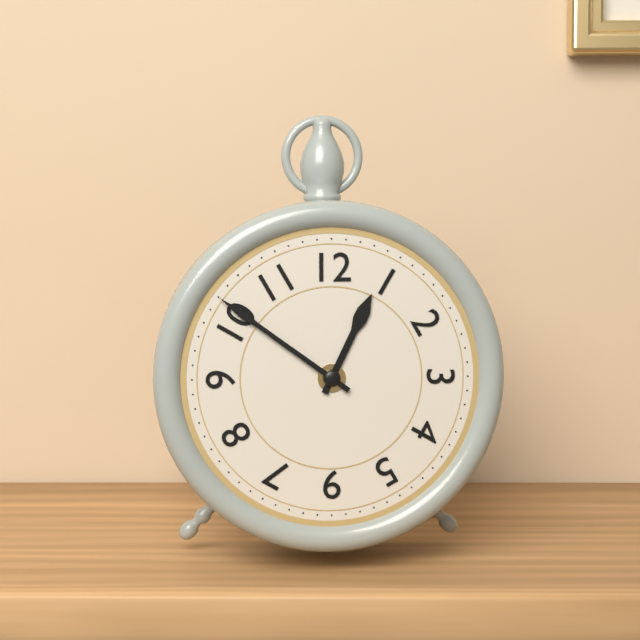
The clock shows 12.51
